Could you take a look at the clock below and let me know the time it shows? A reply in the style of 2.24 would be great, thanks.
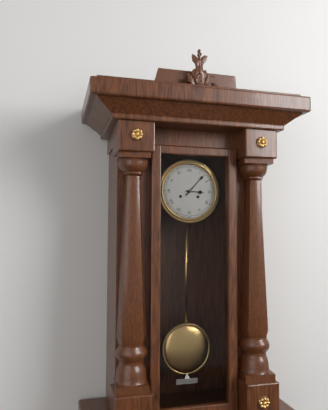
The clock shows 3.07
